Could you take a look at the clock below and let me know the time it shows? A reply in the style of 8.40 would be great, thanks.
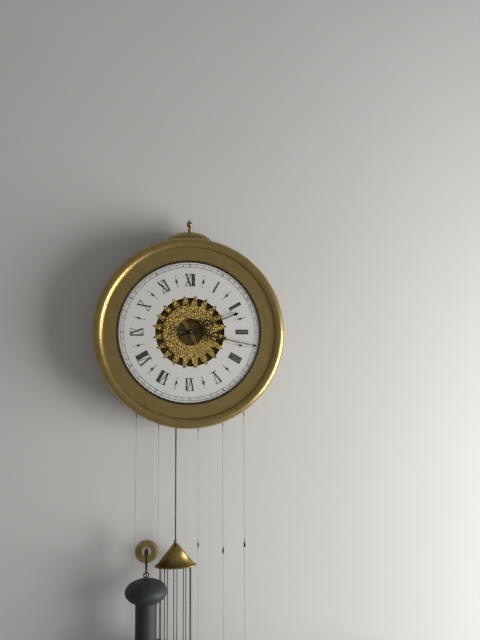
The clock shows 2.17
